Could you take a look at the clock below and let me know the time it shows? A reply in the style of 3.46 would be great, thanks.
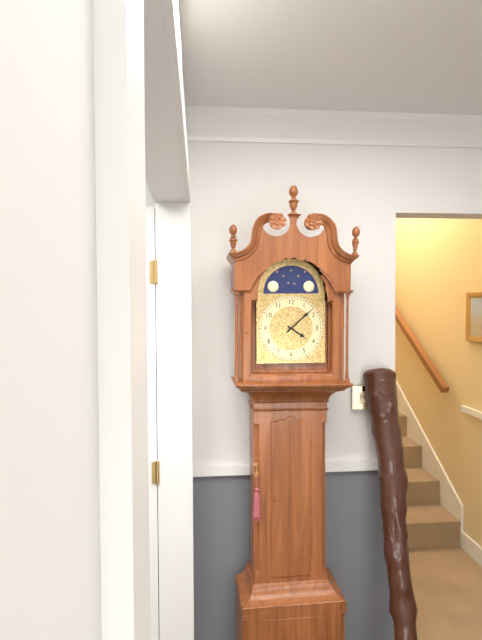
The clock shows 4.08
